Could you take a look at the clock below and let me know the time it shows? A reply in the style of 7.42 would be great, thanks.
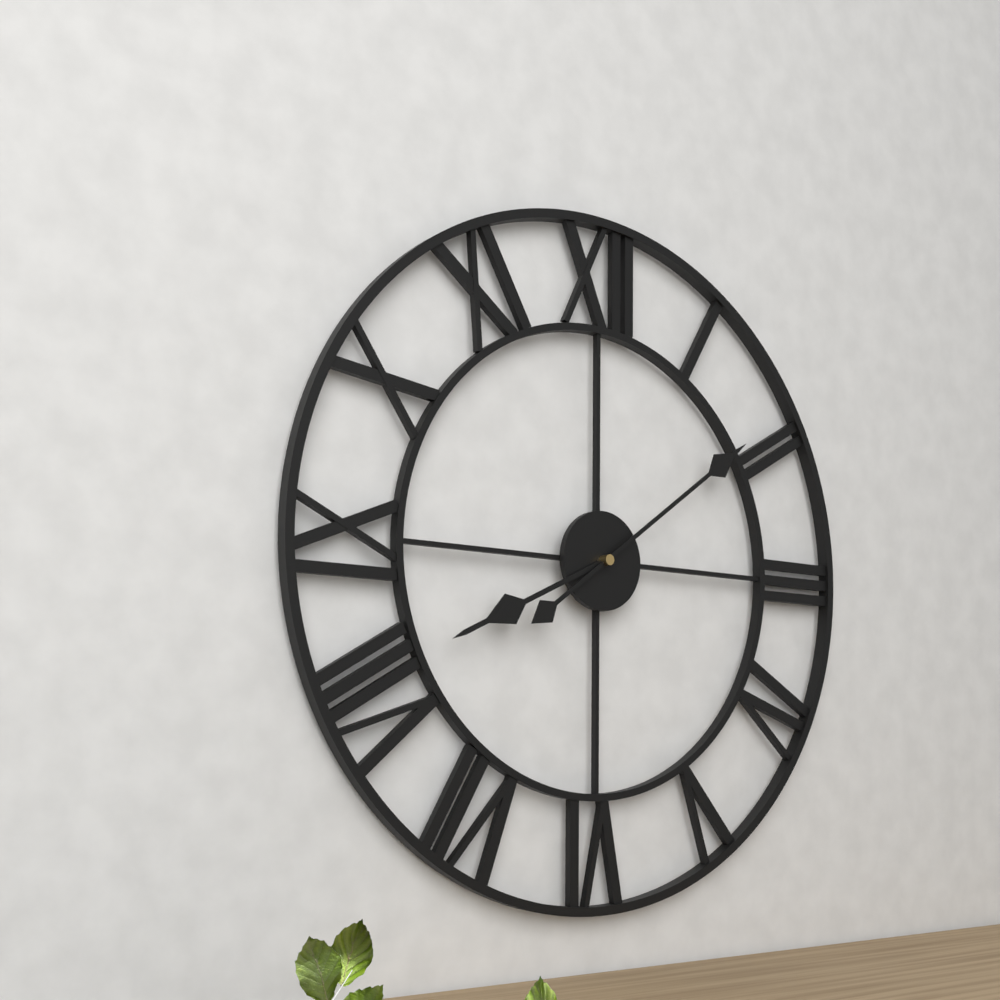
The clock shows 8.09
